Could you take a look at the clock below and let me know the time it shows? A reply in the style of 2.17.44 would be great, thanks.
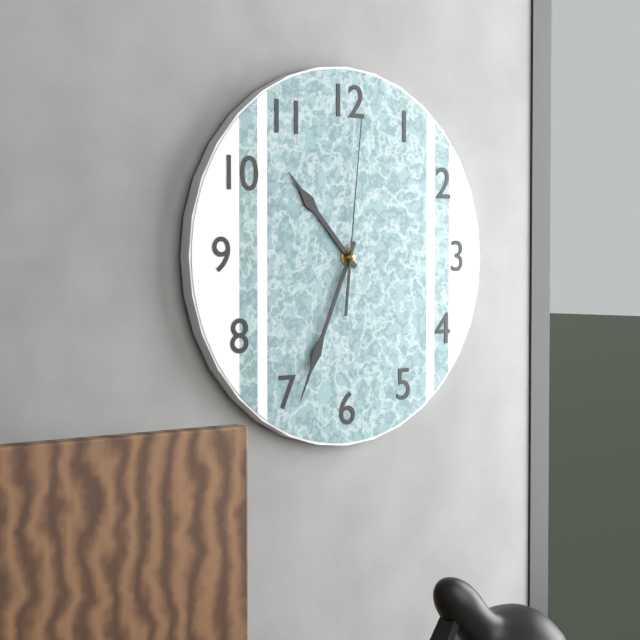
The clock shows 10.34.01
